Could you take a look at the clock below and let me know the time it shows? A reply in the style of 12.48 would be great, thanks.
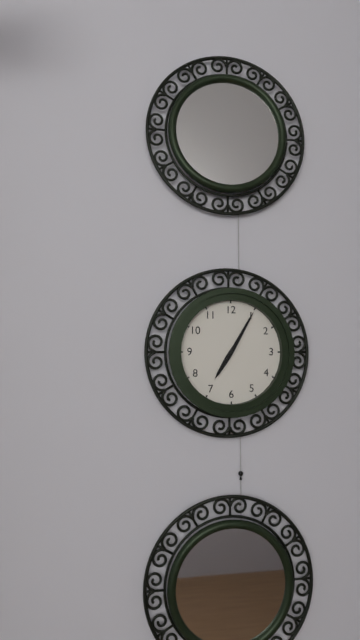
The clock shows 7.05
